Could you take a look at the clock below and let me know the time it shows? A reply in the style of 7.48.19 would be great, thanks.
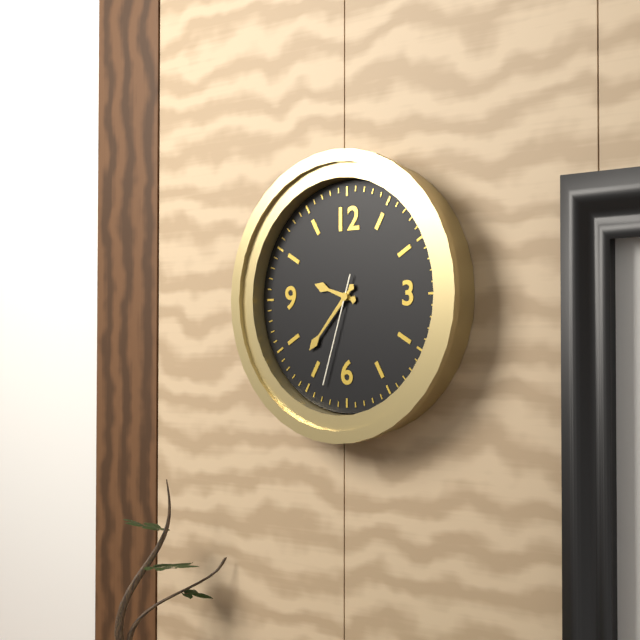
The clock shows 9.37.33
